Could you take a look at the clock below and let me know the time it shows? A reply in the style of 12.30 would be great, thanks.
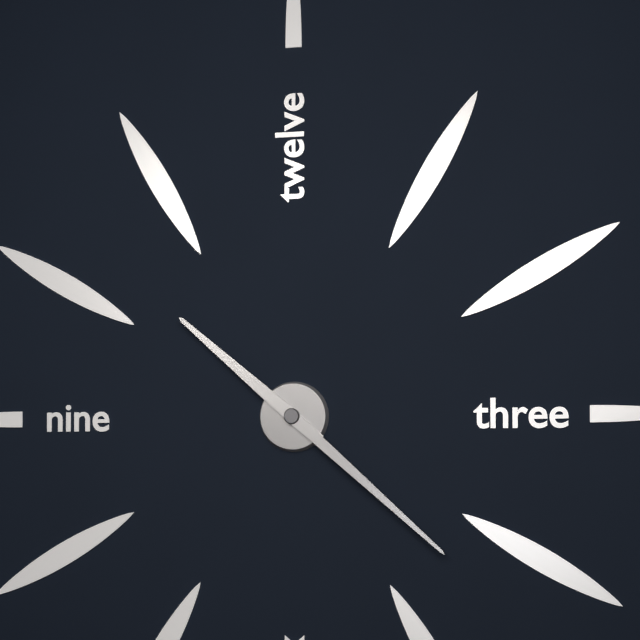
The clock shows 10.22
